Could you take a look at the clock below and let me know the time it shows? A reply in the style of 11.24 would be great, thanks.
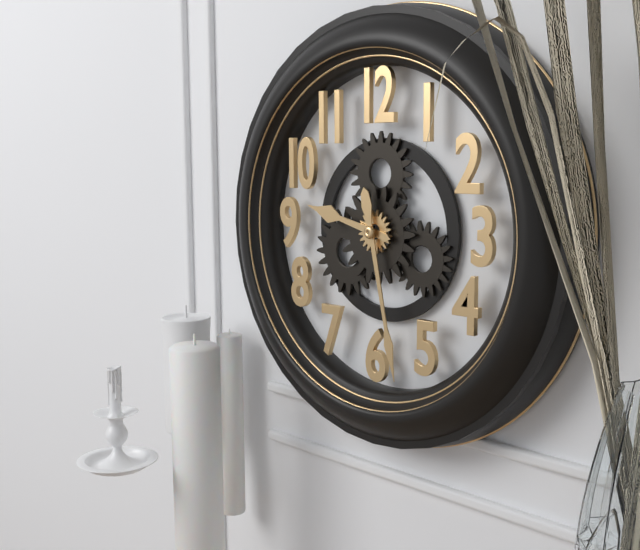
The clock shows 9.28
